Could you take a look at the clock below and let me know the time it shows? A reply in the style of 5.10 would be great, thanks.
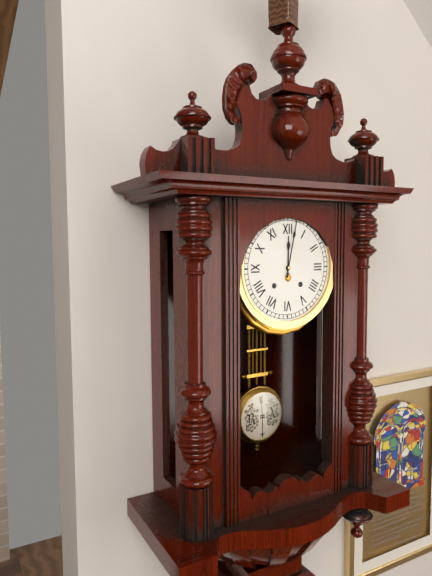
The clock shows 12.02
